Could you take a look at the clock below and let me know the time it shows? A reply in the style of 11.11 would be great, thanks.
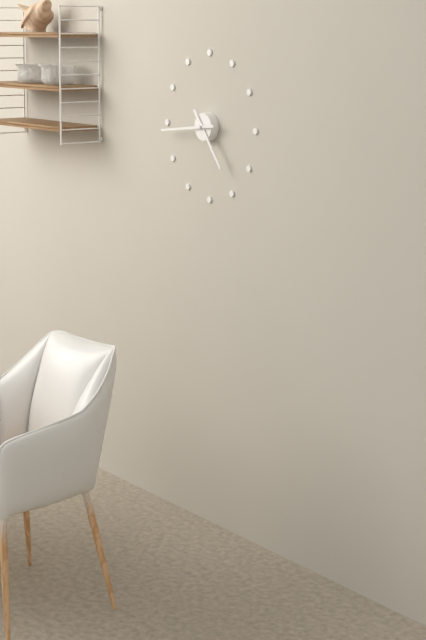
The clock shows 4.44
